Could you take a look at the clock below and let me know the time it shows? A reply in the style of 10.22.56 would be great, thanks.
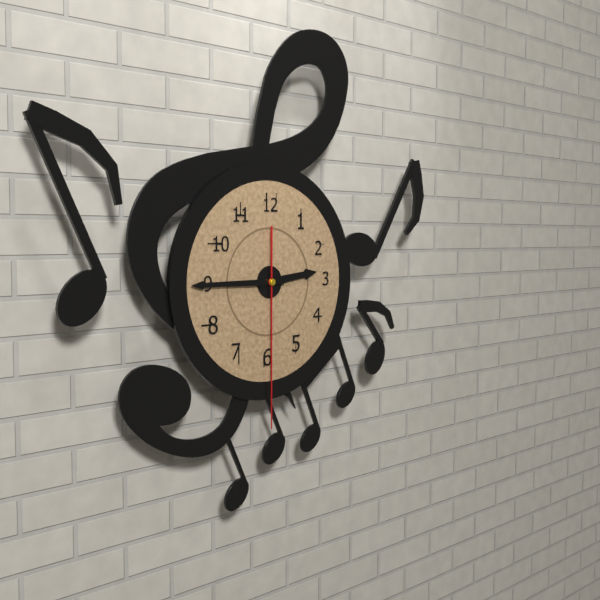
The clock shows 2.45.30
